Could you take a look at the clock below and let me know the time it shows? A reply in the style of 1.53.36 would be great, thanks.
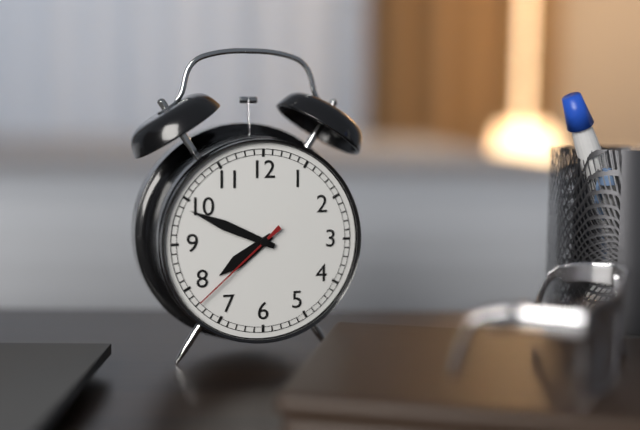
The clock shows 7.49.38
